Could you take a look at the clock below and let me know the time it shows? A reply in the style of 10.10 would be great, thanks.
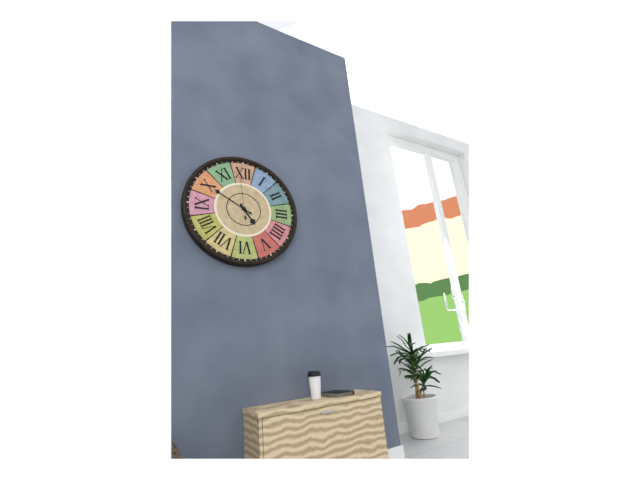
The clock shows 4.50
